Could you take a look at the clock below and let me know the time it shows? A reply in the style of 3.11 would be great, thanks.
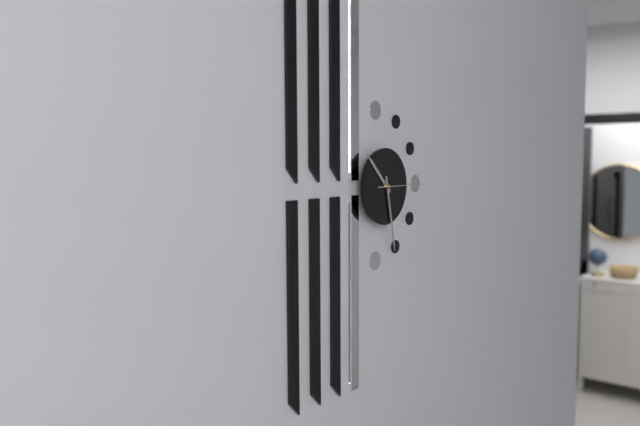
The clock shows 10.28
